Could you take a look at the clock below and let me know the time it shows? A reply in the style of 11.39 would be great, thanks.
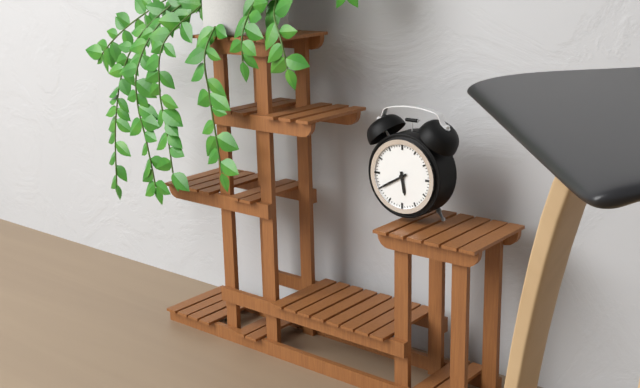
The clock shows 5.40
